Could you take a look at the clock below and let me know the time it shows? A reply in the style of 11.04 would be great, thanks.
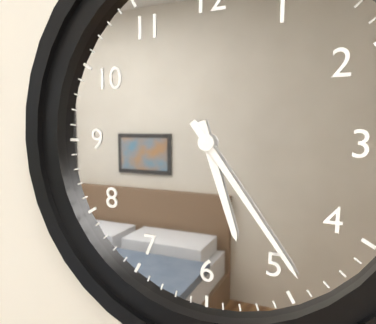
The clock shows 5.24
